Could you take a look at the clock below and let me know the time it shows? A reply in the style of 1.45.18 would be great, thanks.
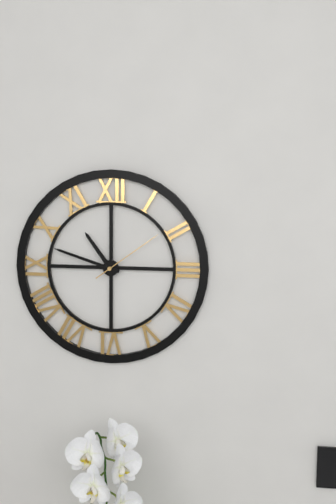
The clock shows 10.48.09
